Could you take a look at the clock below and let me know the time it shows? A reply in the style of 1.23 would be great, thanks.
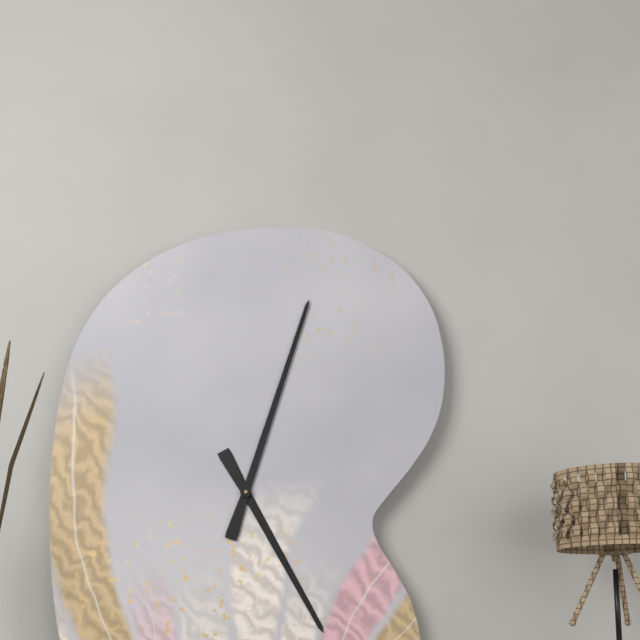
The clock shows 5.03
